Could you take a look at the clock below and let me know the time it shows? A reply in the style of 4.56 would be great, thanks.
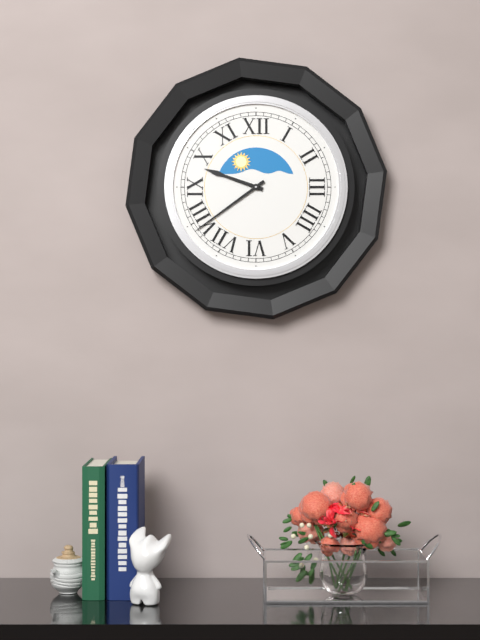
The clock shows 9.39
